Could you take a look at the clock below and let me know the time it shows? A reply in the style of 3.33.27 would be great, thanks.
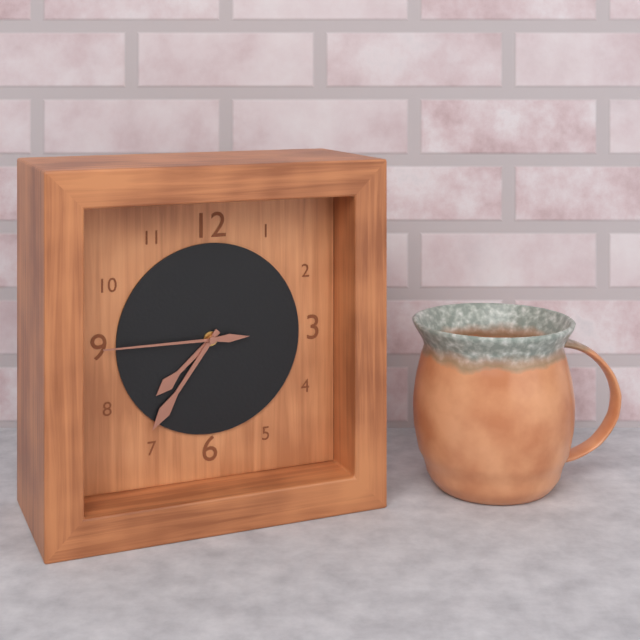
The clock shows 7.36.45
